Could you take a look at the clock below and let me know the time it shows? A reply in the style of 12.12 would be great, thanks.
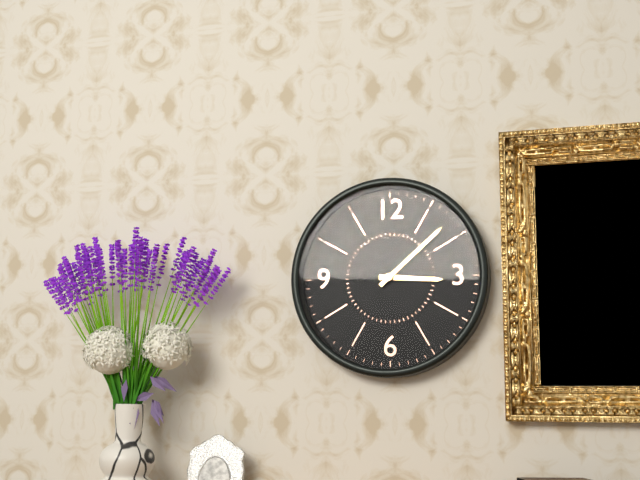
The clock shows 3.08
